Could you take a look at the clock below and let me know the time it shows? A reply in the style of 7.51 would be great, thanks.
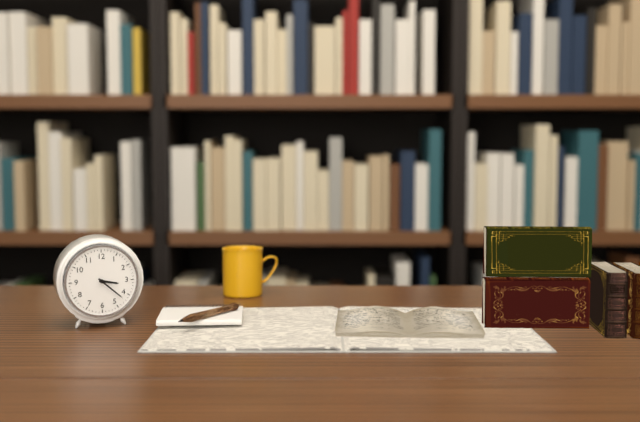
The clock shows 3.22
